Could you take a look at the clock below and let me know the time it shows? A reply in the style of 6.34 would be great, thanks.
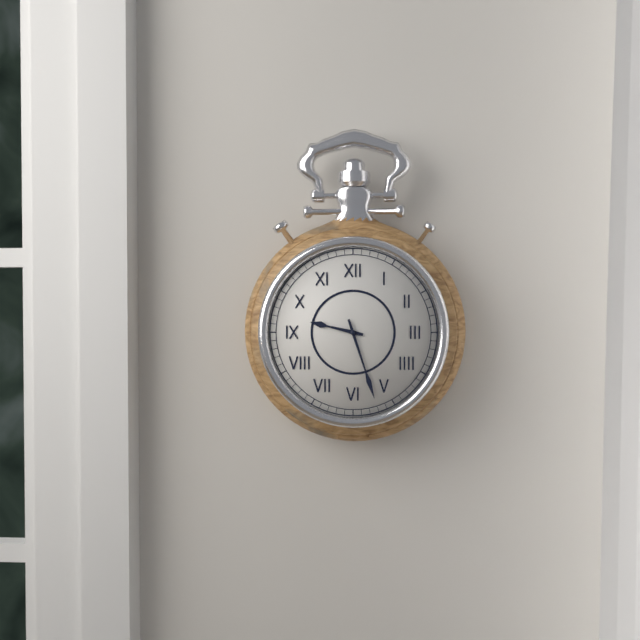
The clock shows 9.27
